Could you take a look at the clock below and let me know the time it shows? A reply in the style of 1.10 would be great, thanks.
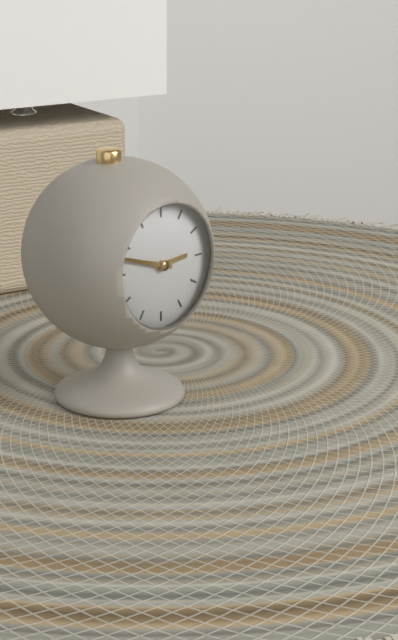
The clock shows 2.48
